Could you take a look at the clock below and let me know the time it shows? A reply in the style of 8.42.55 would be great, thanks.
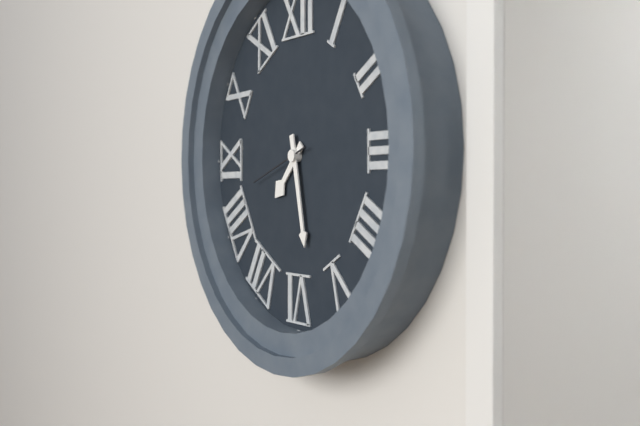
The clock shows 7.28.42
